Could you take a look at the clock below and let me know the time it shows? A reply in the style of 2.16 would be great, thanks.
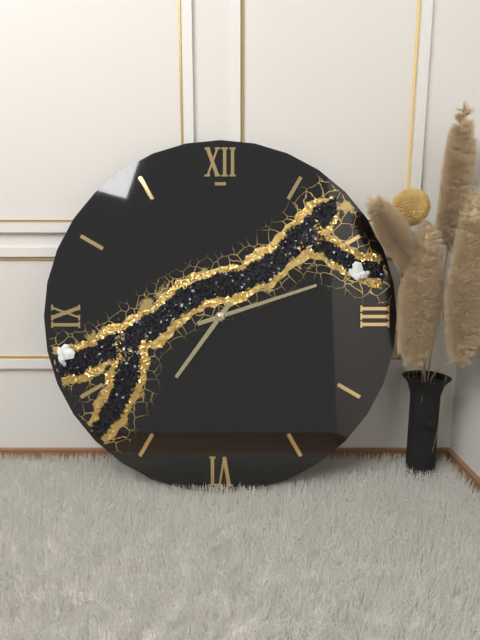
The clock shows 7.12
